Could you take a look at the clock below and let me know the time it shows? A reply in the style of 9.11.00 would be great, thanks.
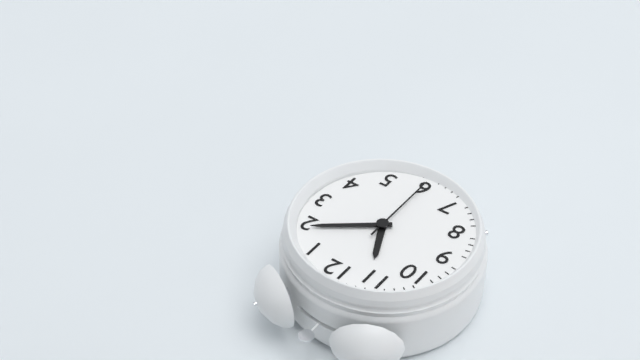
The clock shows 11.09.30
